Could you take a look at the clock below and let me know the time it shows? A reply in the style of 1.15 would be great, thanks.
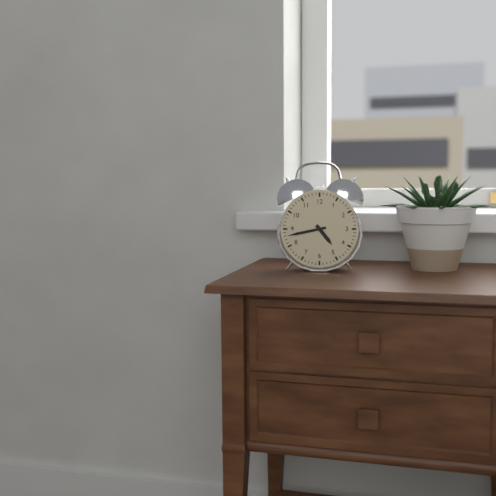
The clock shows 4.43
